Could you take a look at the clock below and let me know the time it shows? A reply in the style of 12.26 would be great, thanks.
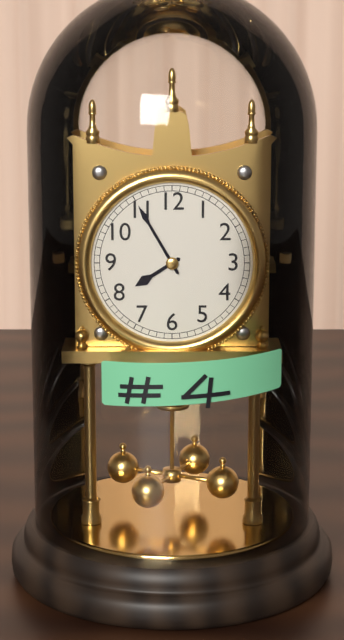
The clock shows 7.55
